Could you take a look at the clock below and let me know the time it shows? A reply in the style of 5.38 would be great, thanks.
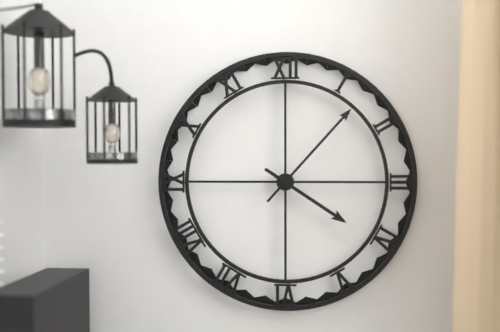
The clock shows 4.07
